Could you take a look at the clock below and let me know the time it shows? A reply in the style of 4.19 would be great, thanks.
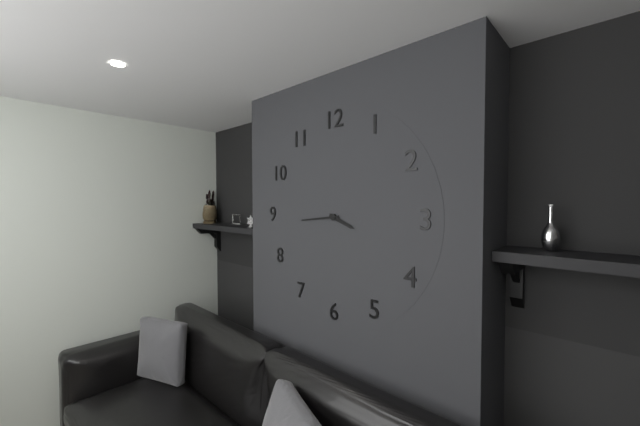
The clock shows 3.44
